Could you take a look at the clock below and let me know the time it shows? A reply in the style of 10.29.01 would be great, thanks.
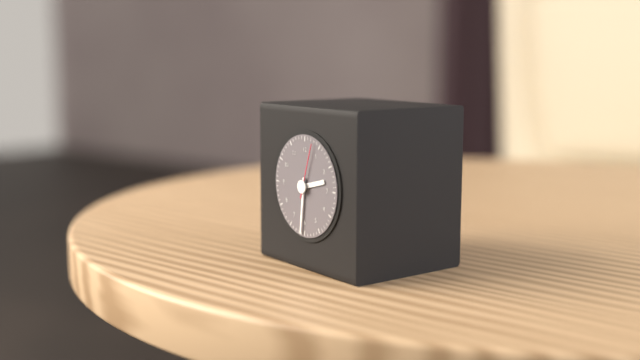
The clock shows 2.31.03
